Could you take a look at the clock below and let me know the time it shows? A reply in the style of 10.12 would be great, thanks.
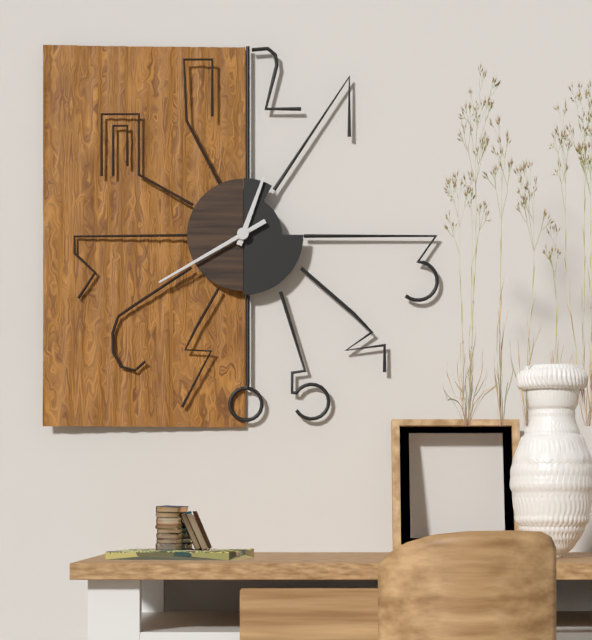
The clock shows 12.40
